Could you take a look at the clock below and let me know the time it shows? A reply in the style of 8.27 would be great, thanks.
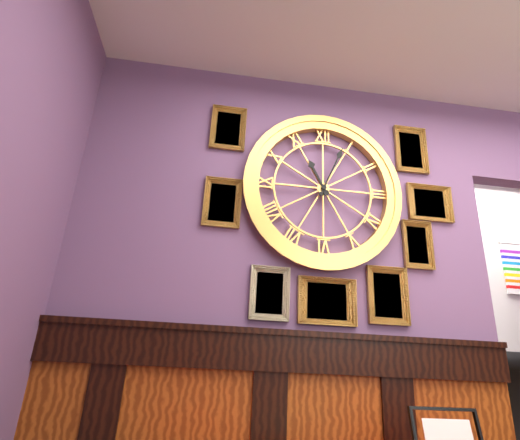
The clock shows 11.04
